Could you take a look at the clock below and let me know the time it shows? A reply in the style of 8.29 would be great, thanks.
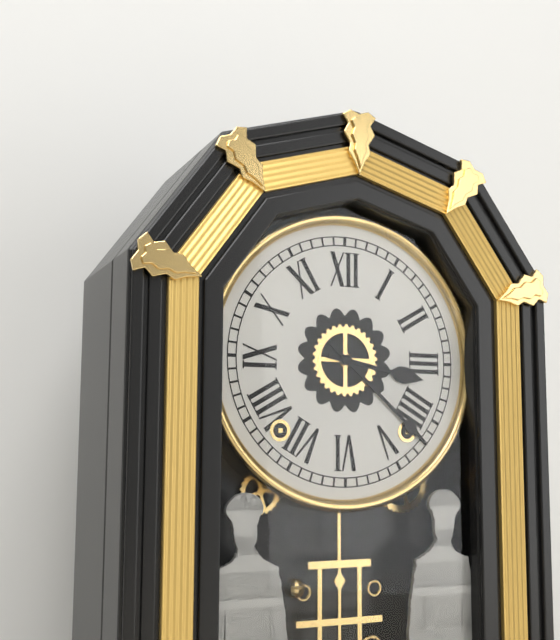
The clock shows 3.22
